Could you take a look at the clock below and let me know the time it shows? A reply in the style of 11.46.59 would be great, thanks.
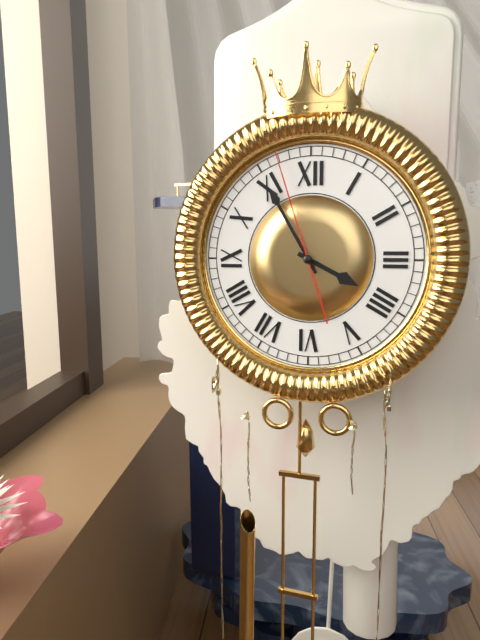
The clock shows 3.55.57
